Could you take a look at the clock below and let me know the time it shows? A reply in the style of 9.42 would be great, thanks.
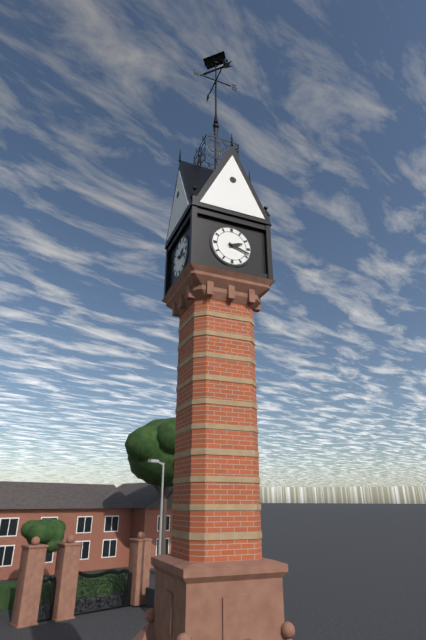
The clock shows 2.18
